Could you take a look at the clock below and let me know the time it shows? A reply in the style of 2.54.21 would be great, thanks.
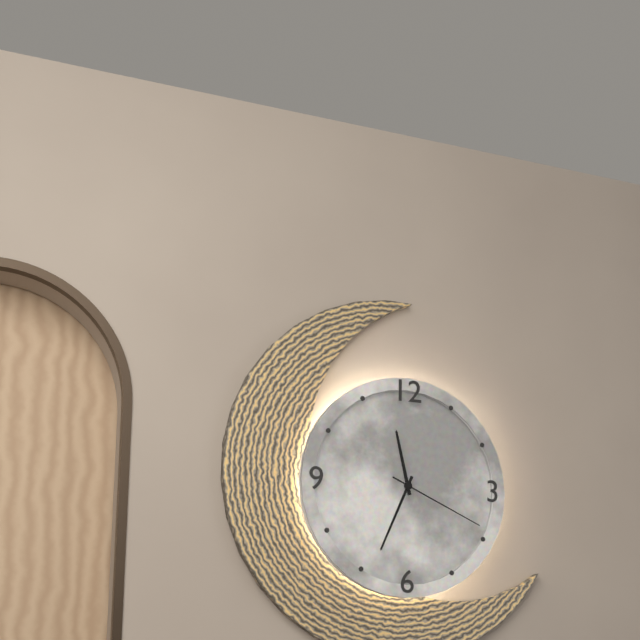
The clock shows 11.34.19
